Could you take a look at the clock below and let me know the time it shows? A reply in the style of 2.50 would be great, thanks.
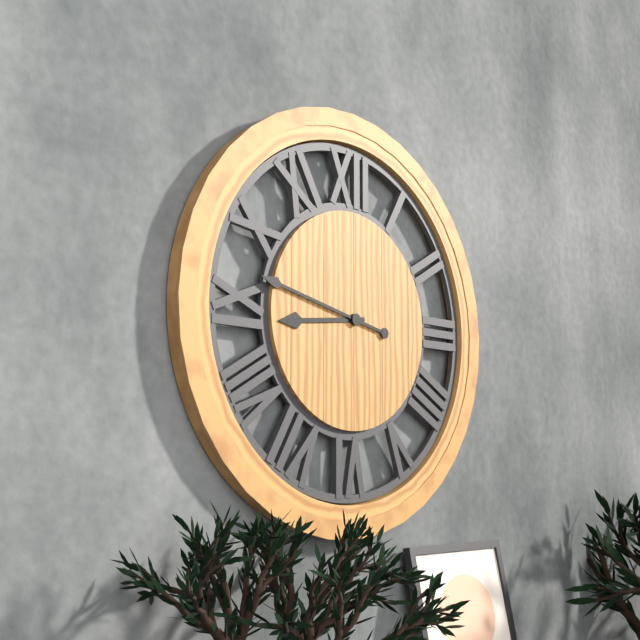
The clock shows 8.47
